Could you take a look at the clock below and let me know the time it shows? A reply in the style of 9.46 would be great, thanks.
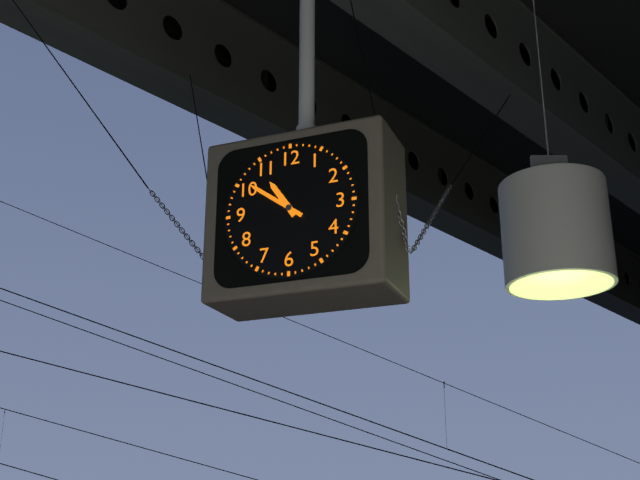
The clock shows 10.51
